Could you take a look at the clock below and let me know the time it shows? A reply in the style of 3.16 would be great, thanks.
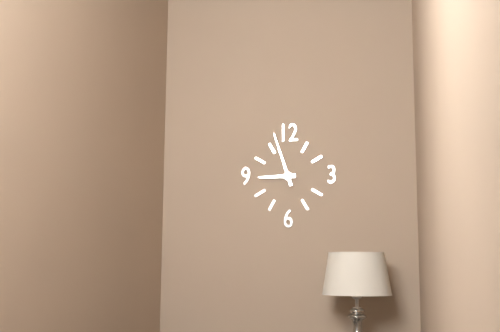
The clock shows 8.57
